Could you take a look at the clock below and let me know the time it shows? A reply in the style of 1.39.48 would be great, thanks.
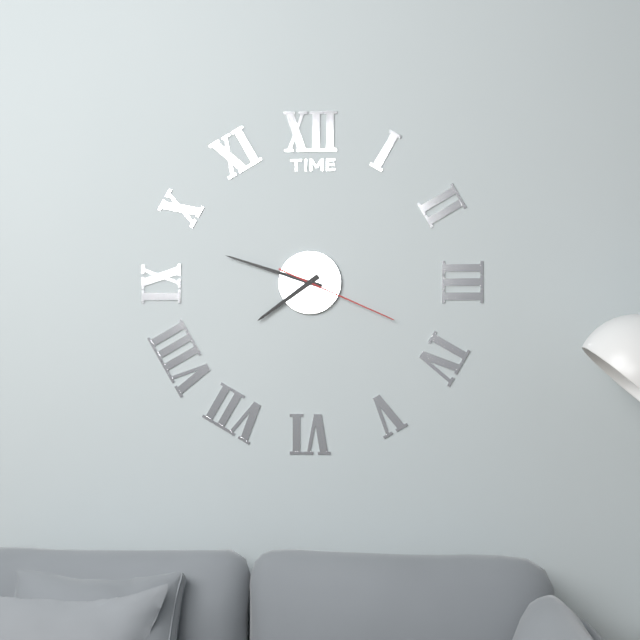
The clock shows 7.48.19
